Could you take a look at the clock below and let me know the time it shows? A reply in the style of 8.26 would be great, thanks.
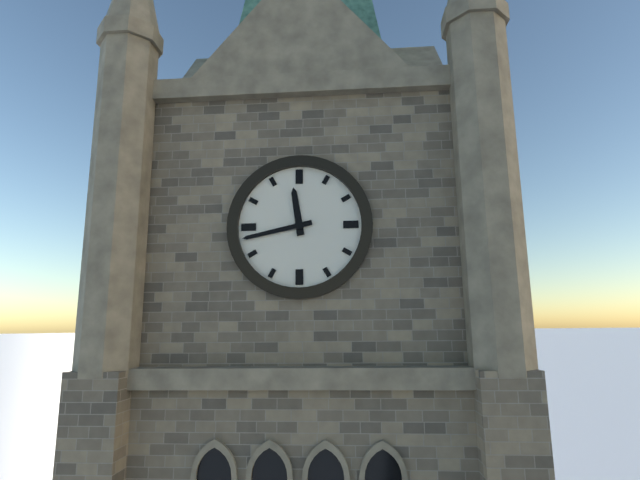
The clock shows 11.43
